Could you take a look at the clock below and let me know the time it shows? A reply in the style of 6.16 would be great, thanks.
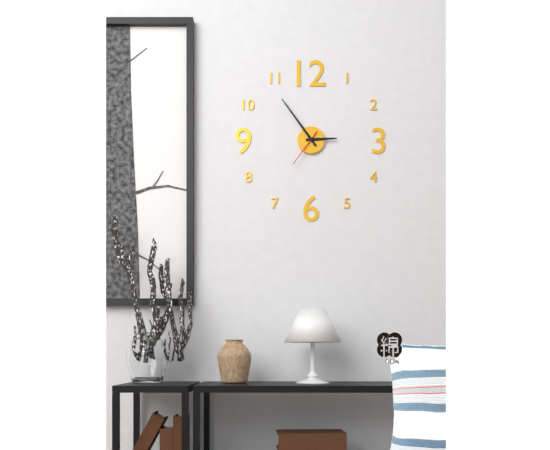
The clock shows 2.54
